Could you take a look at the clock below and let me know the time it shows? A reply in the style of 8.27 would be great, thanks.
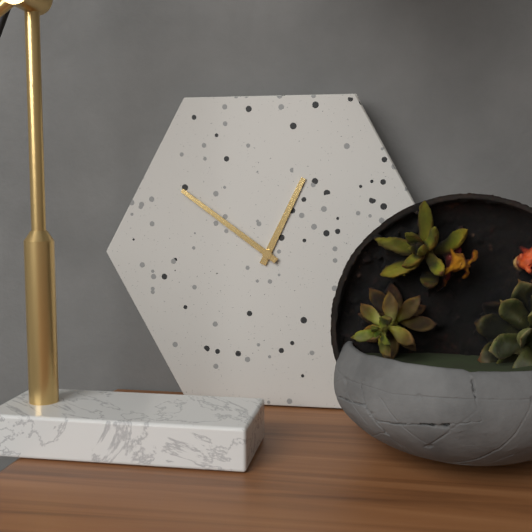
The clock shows 12.51
